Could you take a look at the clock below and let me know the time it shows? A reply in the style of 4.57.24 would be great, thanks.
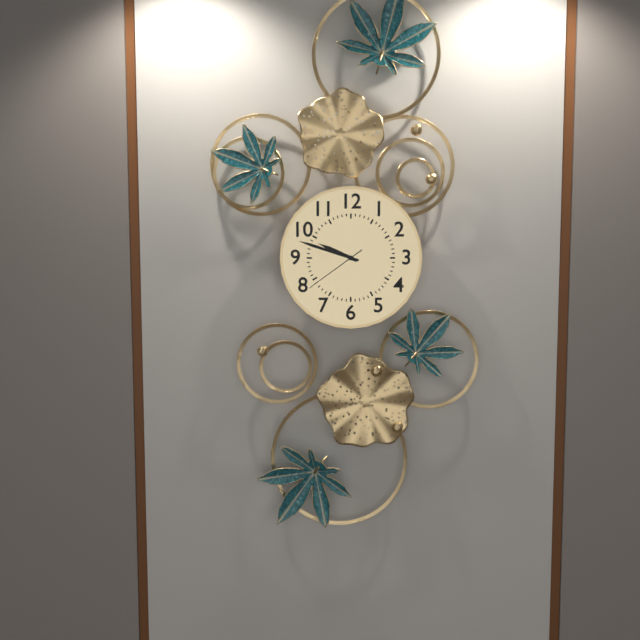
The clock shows 9.48.39
